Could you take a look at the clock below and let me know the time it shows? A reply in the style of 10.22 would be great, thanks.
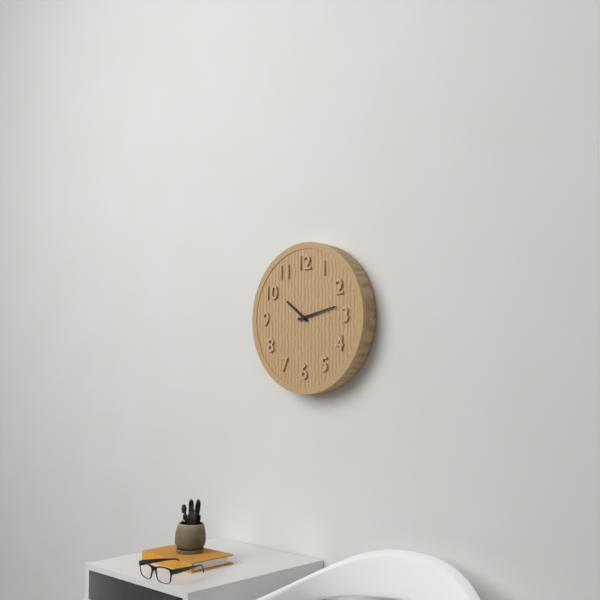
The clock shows 10.13
